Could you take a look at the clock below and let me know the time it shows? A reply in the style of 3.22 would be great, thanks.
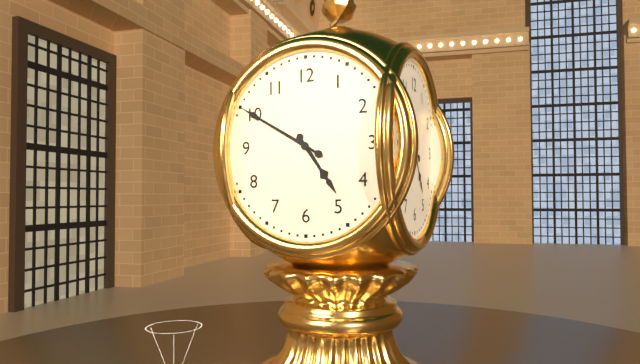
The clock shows 4.50
